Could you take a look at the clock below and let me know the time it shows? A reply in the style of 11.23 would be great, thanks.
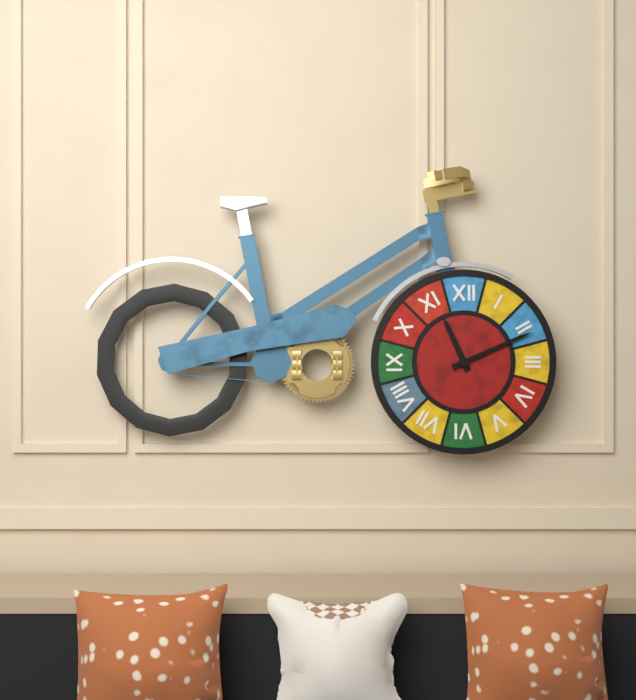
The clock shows 11.11
